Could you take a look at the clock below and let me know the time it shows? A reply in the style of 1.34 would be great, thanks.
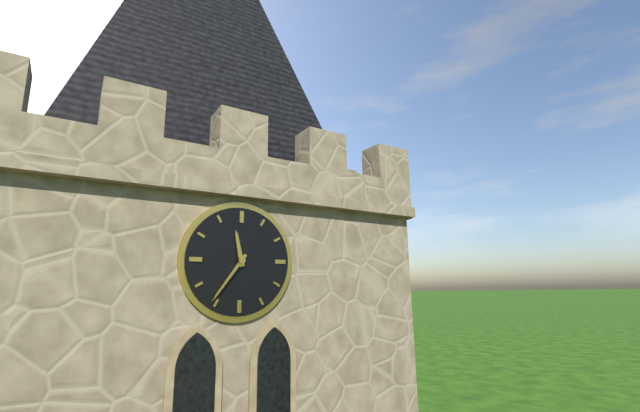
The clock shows 11.36
